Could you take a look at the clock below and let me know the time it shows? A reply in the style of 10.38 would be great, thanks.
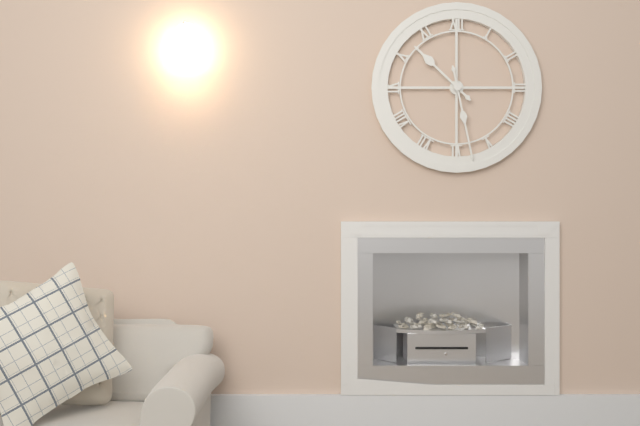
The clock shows 10.28
